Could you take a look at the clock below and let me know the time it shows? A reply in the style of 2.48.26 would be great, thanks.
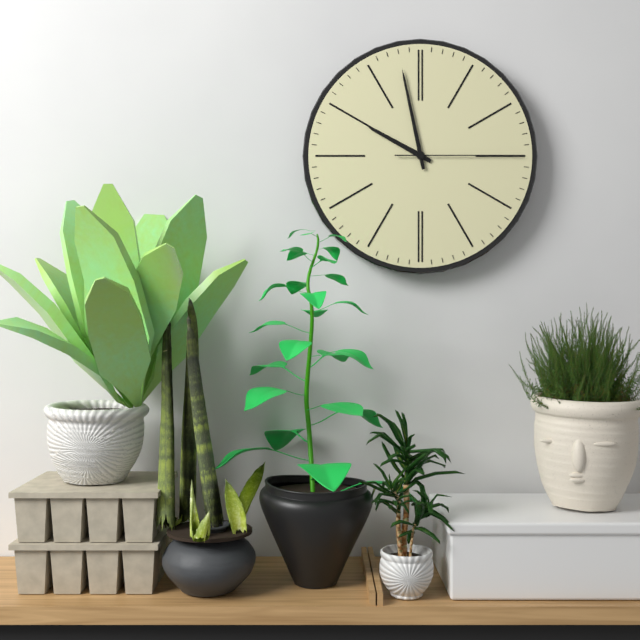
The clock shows 9.58.15
